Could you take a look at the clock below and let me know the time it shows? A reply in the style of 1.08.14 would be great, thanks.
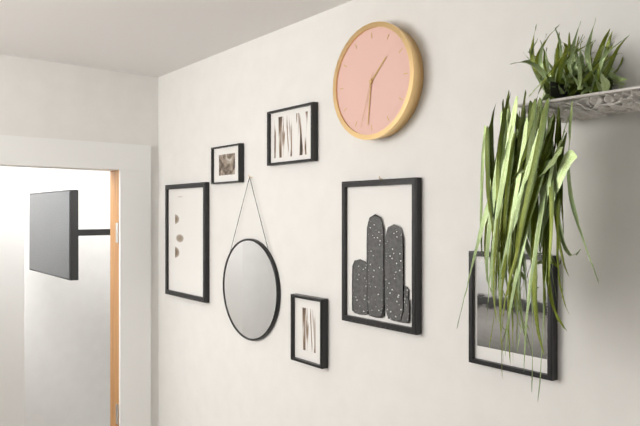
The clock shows 1.31.33
